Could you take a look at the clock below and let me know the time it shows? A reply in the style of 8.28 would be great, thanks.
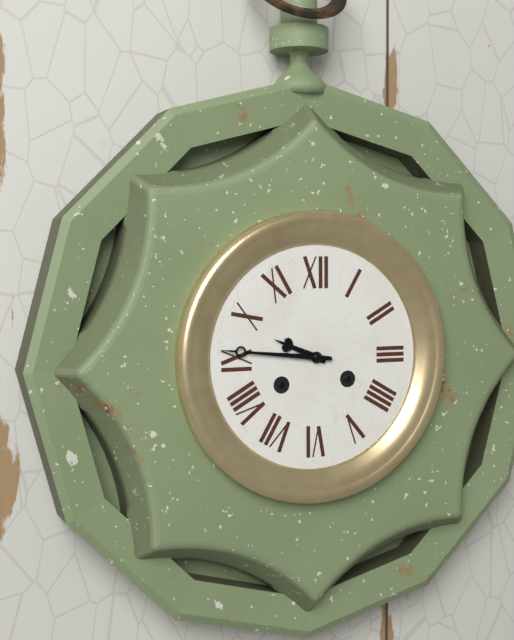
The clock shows 9.46
